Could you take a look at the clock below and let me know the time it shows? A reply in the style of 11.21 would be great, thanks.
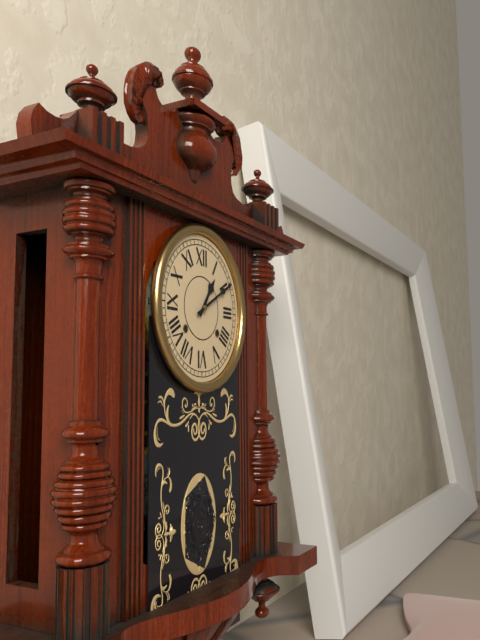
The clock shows 1.10
